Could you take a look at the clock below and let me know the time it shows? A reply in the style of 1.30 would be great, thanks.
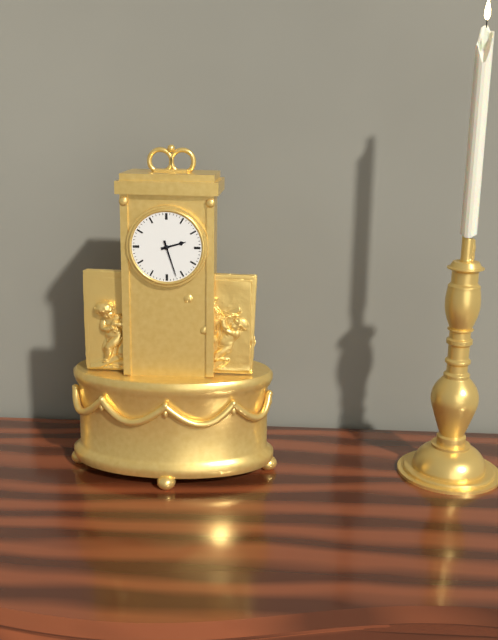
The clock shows 2.27
